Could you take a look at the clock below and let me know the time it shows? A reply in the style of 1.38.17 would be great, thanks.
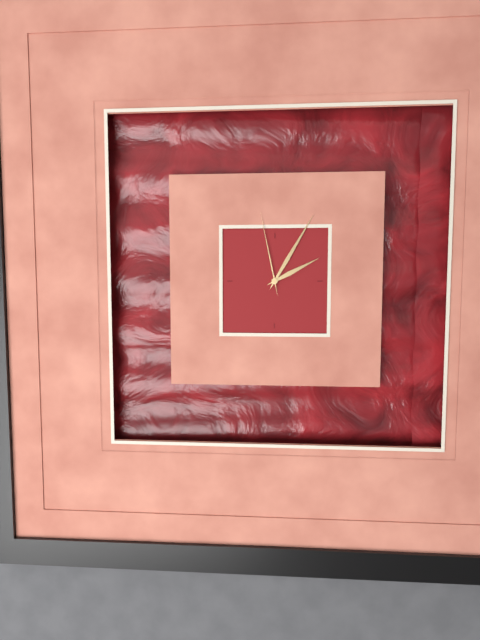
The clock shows 2.05.58
